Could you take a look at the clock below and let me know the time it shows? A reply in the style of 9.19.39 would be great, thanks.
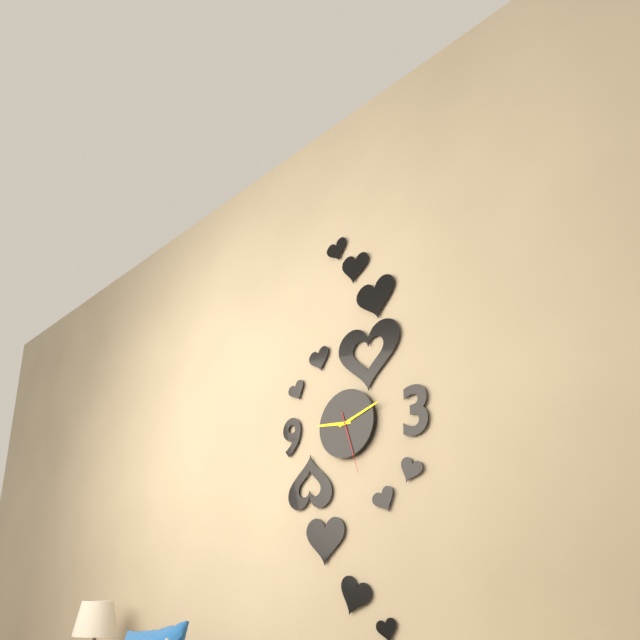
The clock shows 9.12.27
